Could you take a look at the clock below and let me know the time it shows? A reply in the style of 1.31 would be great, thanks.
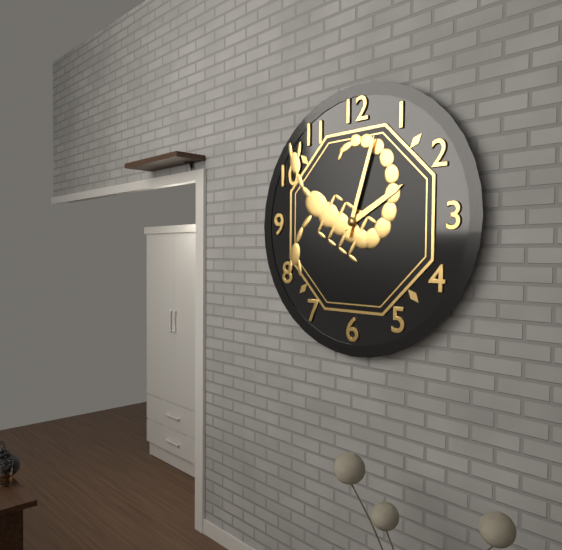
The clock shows 2.03
